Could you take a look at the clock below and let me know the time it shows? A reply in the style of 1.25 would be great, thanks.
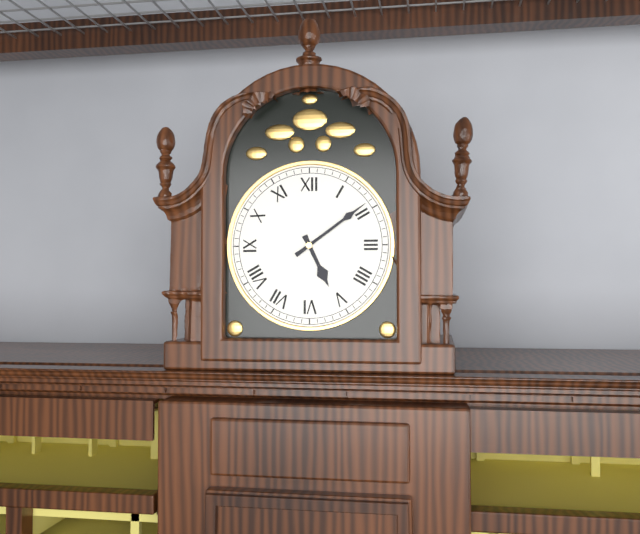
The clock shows 5.09
